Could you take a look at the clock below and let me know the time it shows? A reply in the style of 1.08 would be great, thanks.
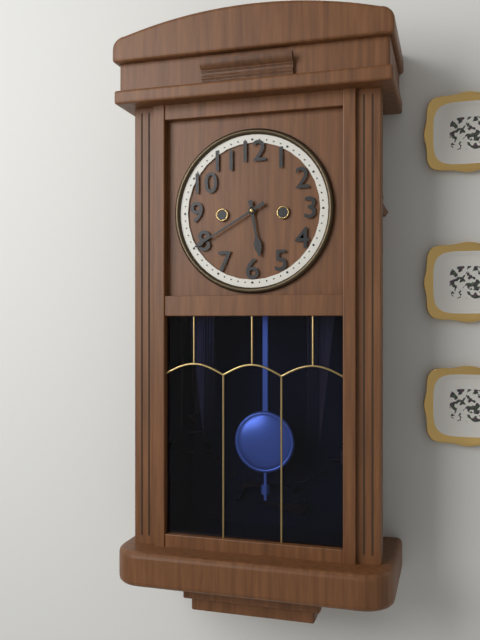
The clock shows 5.40
